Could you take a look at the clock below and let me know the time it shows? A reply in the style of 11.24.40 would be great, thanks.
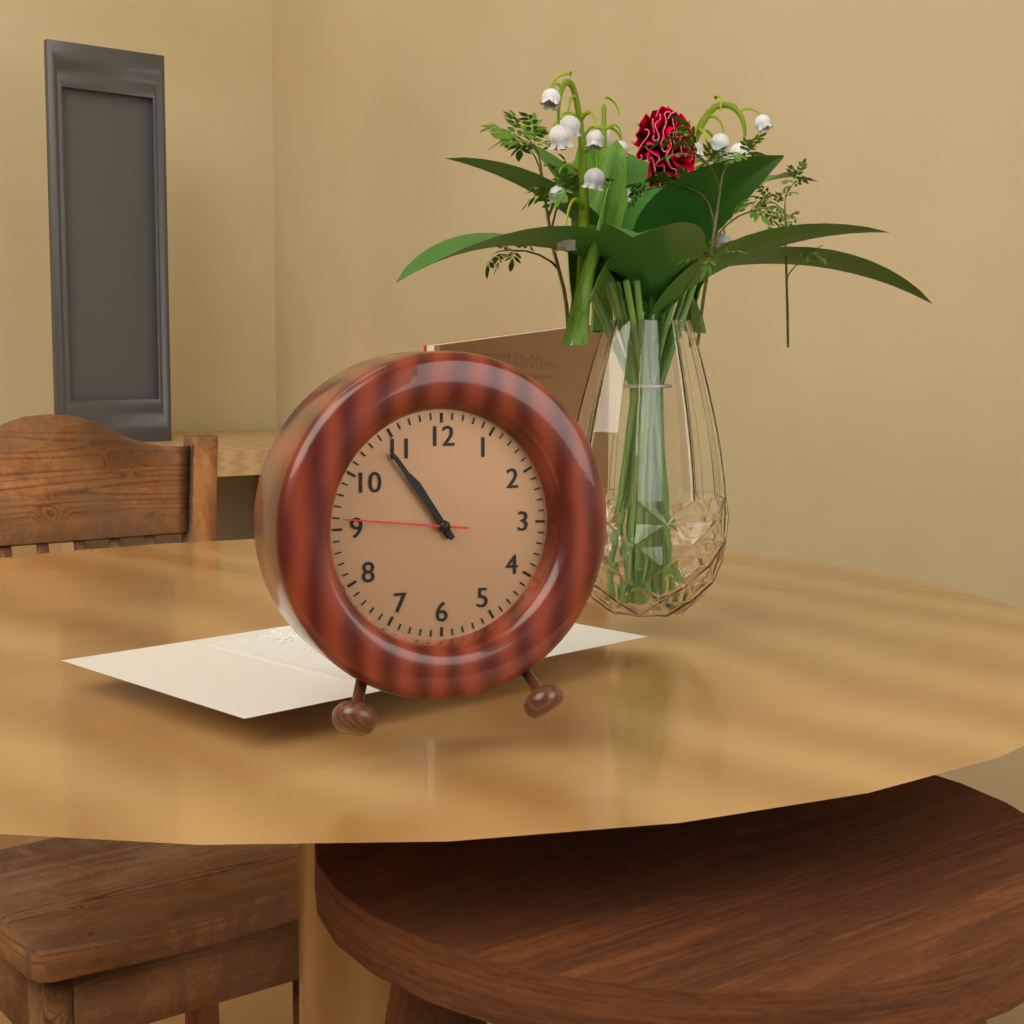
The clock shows 10.54.46
